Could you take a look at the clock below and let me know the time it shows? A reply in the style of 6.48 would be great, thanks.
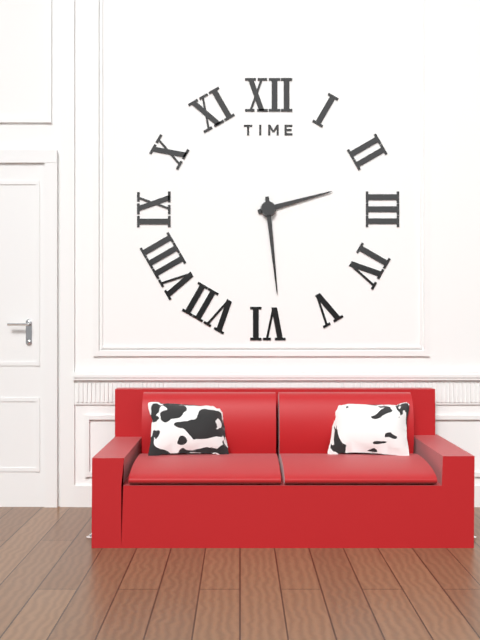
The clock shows 2.29
